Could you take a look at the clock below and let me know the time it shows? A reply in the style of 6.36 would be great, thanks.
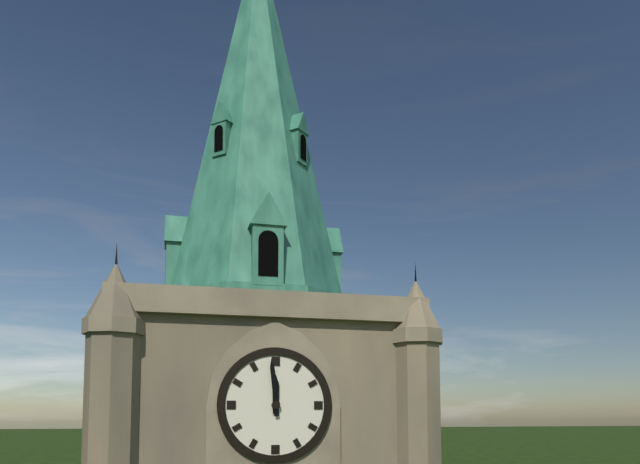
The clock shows 11.59
